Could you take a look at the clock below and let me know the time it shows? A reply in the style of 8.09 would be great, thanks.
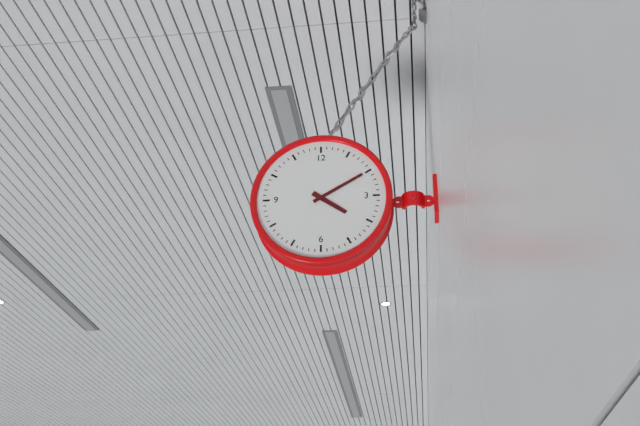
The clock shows 4.10
